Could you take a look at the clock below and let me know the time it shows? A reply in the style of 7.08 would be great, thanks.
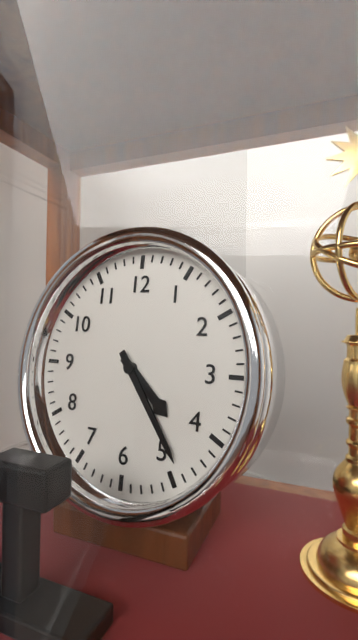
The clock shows 4.24
